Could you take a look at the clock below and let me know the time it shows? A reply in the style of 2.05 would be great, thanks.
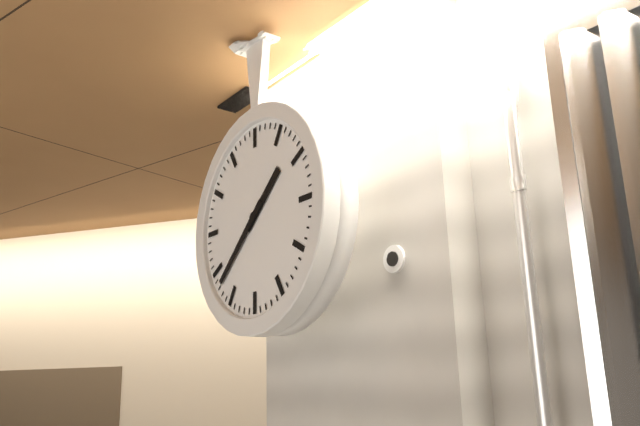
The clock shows 1.38
